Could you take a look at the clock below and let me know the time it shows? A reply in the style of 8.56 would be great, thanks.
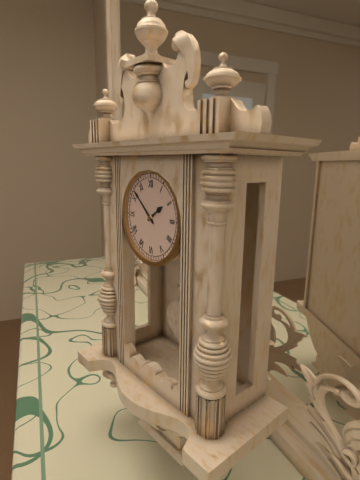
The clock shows 1.52
